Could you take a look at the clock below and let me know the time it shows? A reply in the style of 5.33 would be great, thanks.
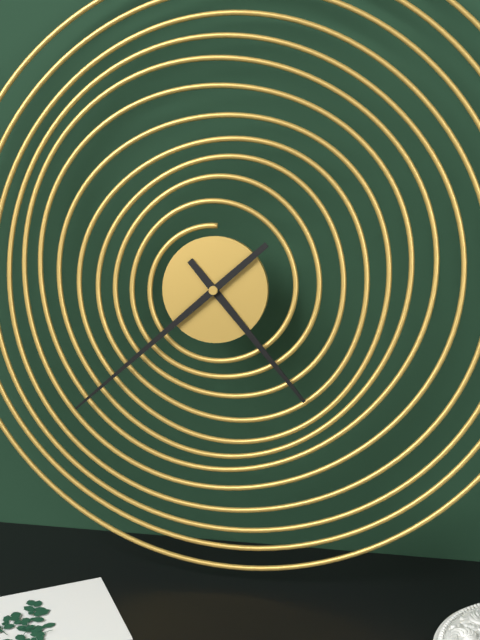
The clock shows 4.38
